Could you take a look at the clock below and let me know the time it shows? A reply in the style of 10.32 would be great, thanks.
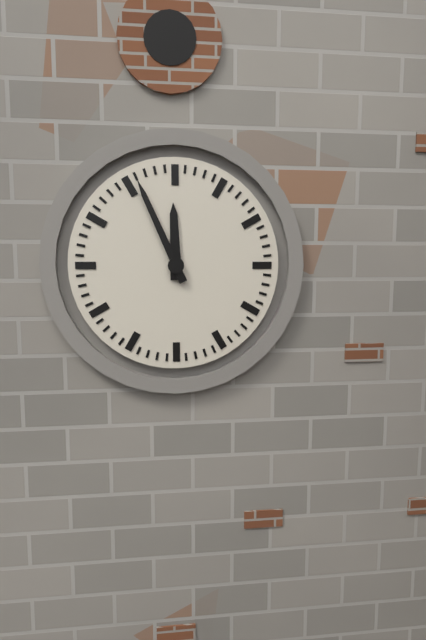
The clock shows 11.56
